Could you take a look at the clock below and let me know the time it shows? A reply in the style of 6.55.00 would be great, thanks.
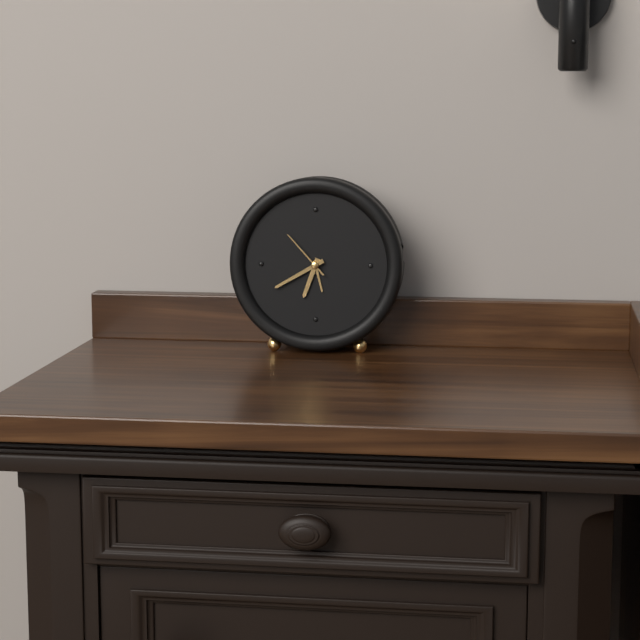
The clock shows 6.40.53
